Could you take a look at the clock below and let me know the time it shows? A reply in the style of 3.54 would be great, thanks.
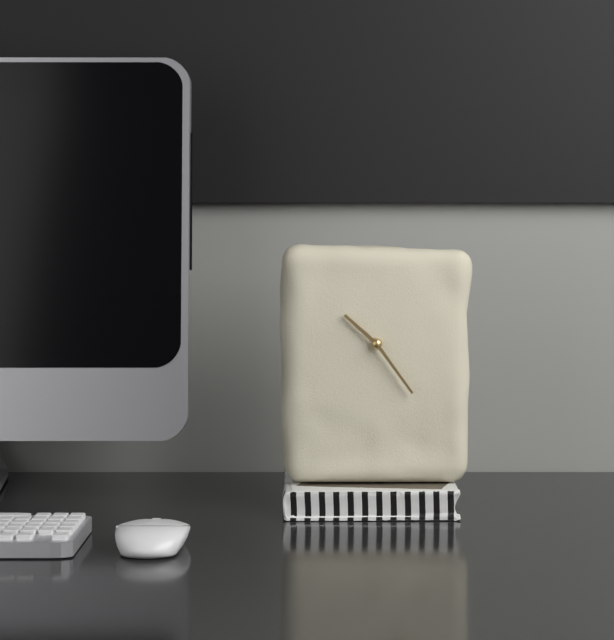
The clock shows 10.24
